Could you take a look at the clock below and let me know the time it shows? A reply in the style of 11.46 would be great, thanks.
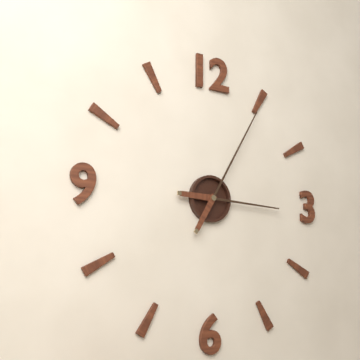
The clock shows 3.05
